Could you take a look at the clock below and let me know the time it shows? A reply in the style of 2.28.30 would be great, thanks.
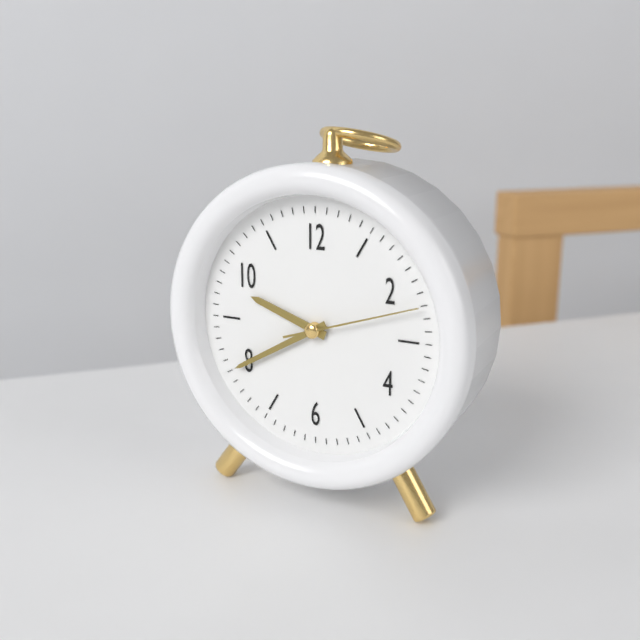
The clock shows 9.40.12
